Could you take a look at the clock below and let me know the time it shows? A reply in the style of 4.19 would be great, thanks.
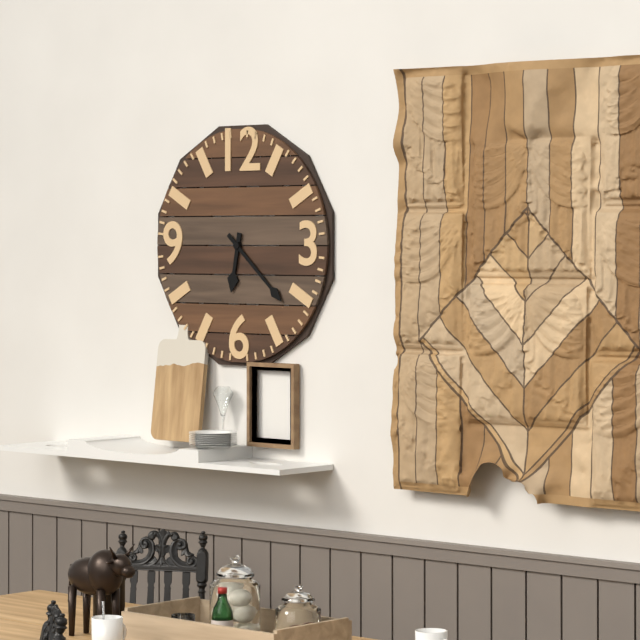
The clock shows 6.22
